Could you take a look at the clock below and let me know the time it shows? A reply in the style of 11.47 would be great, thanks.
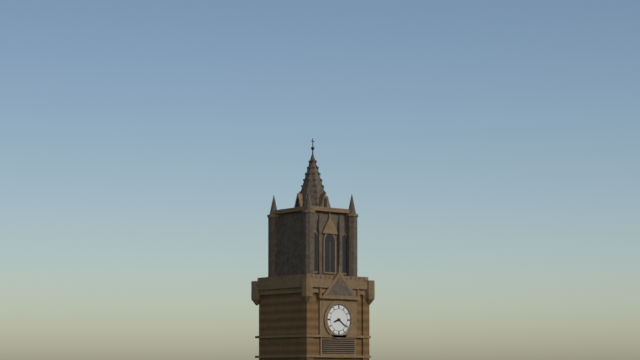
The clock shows 8.21
